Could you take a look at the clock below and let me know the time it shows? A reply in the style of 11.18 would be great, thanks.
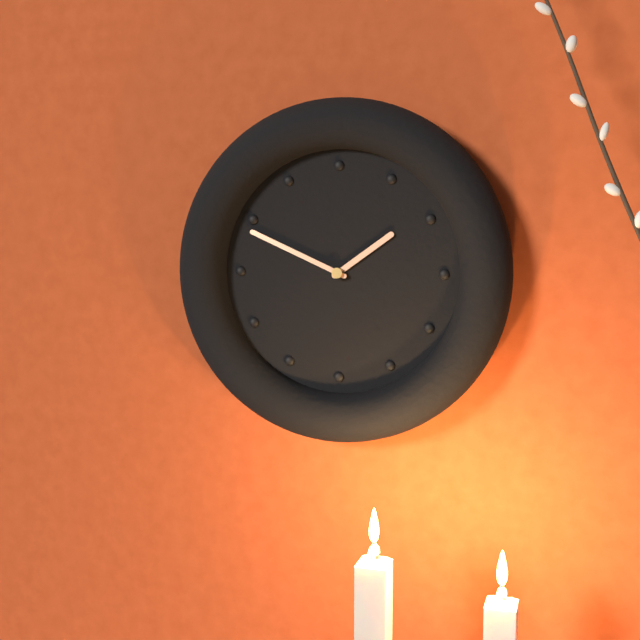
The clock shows 1.49
